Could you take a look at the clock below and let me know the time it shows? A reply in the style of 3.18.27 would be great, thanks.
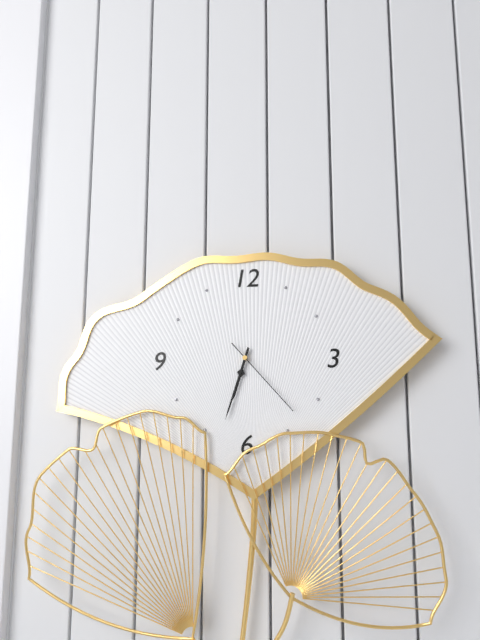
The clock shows 6.33.23
